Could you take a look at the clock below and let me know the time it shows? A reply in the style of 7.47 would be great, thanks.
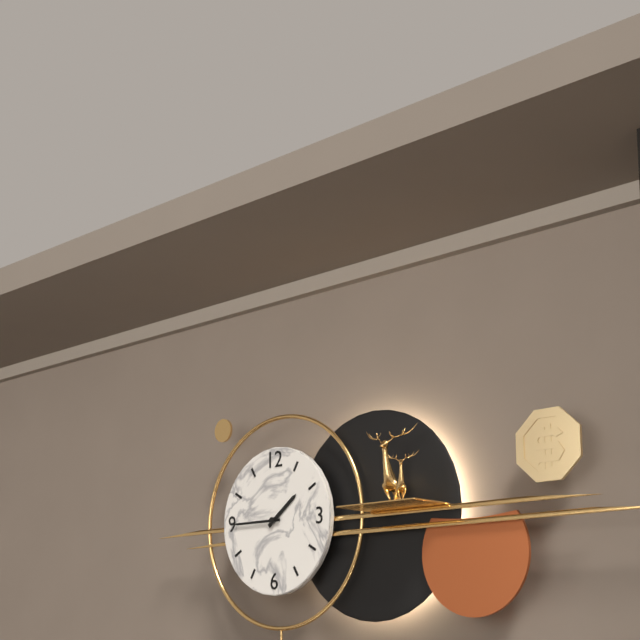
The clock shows 1.45
